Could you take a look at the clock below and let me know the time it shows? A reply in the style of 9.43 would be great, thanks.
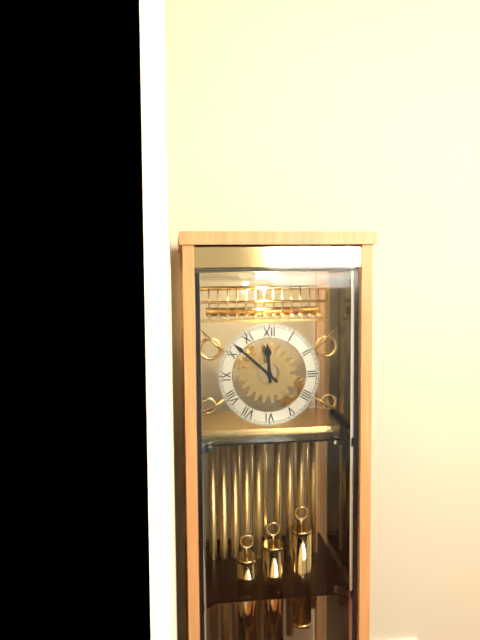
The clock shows 11.52
